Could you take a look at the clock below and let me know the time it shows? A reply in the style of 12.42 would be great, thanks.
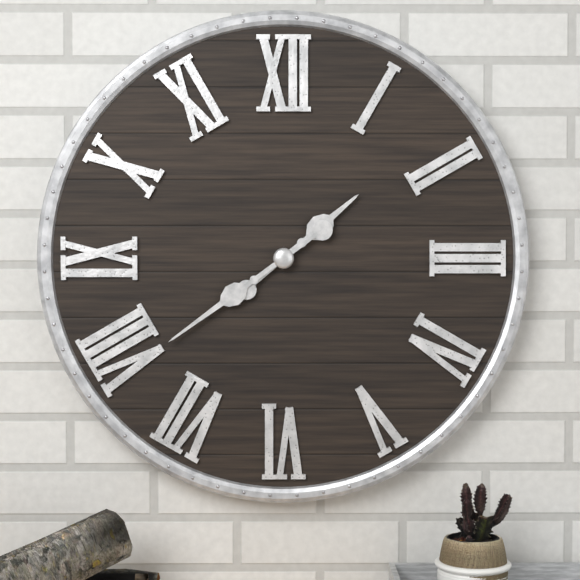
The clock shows 1.39
